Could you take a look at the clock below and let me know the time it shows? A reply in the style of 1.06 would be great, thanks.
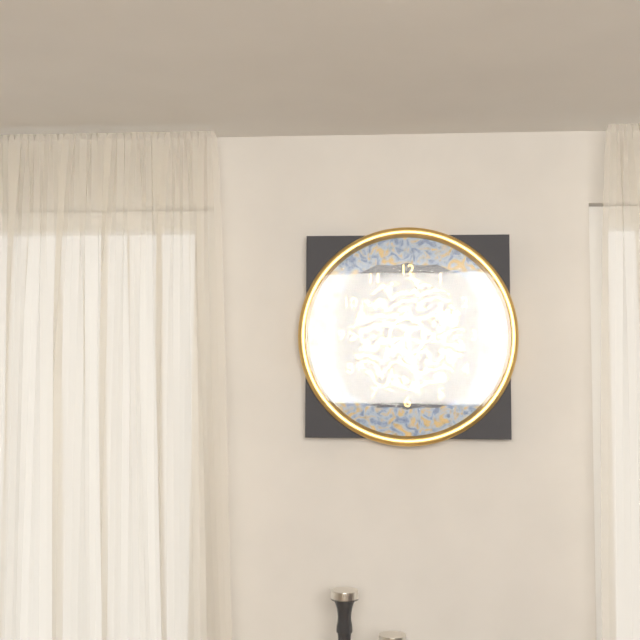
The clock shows 7.28
